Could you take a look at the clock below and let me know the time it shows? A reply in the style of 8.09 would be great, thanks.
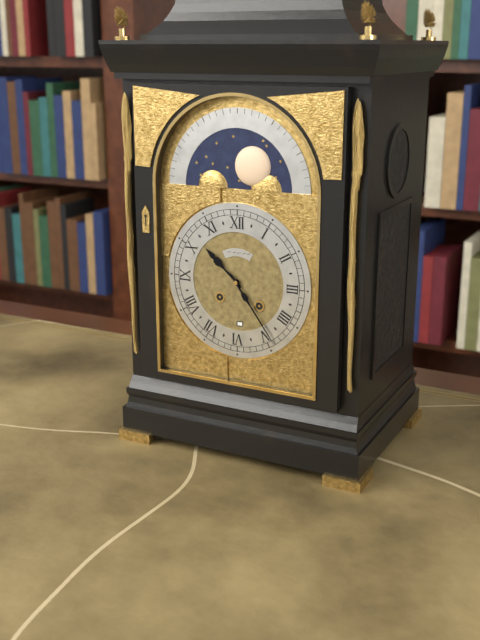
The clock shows 10.24
